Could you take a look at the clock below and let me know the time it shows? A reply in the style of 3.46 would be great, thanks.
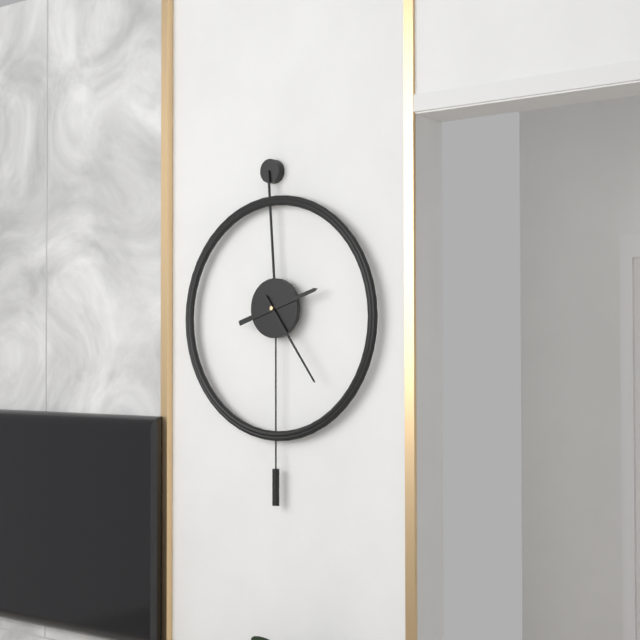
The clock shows 2.24
